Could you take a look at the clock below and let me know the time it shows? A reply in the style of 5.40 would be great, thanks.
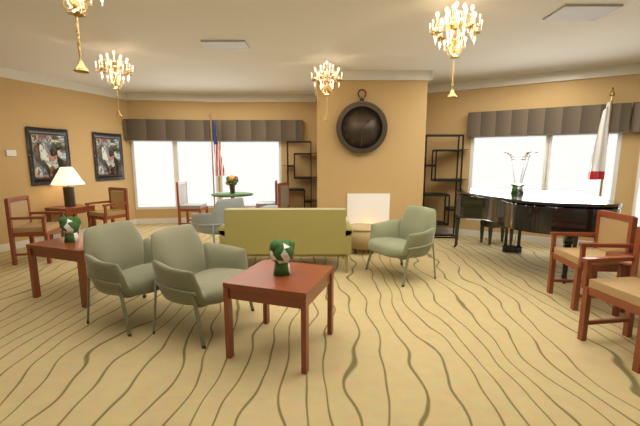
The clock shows 1.30
